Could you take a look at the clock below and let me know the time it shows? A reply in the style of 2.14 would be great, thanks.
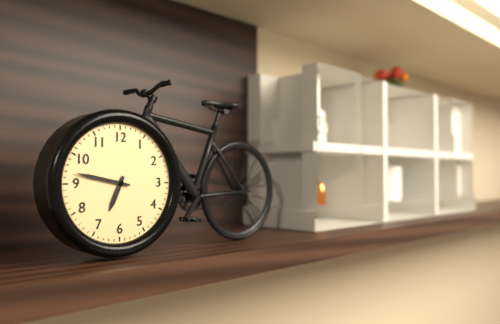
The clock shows 6.47
